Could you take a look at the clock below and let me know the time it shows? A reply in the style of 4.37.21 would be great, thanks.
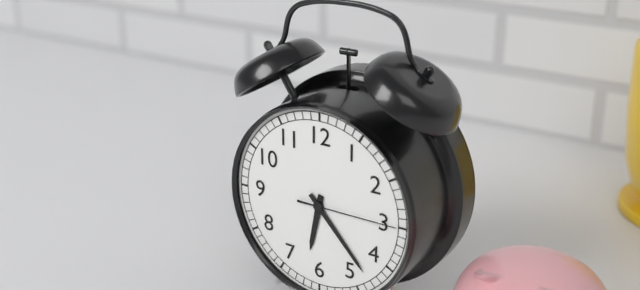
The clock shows 6.23.15
